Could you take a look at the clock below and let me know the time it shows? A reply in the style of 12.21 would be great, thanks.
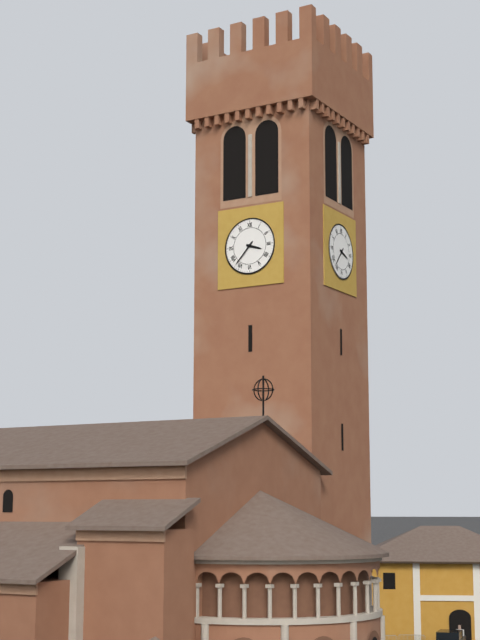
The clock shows 3.37
